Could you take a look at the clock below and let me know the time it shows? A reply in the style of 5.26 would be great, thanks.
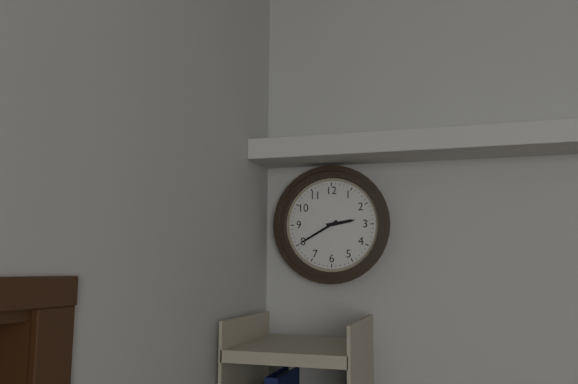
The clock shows 2.40
